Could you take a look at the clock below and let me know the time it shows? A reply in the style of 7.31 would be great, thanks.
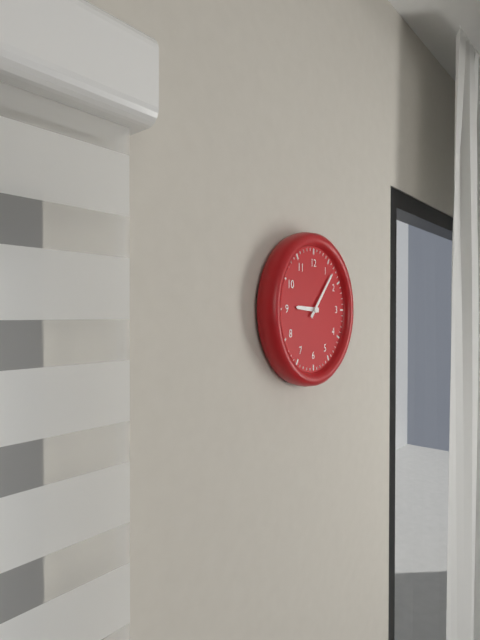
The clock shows 9.07
